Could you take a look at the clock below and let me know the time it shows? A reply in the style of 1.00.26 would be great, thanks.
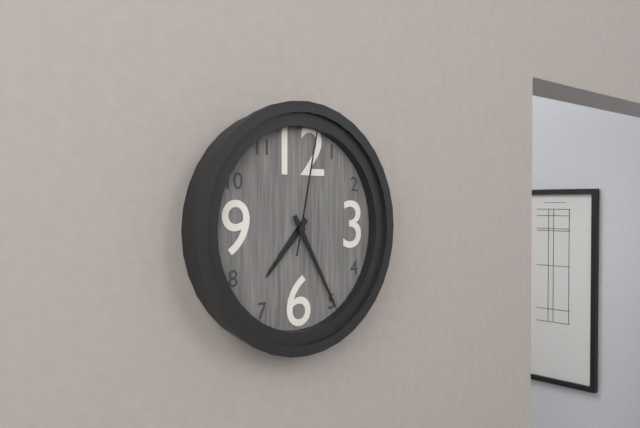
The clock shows 7.25.02
